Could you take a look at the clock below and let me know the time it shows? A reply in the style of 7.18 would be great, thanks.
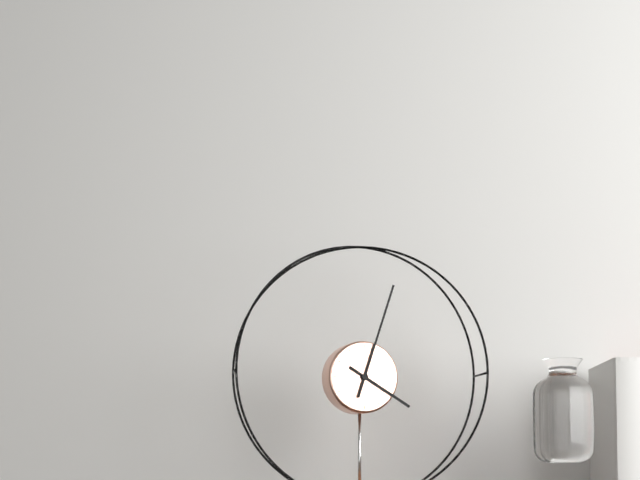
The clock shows 4.03
